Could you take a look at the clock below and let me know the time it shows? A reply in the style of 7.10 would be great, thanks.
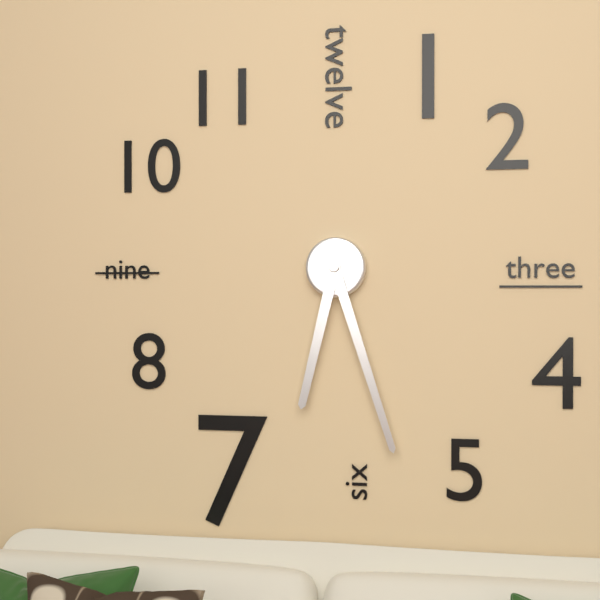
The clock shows 6.27
